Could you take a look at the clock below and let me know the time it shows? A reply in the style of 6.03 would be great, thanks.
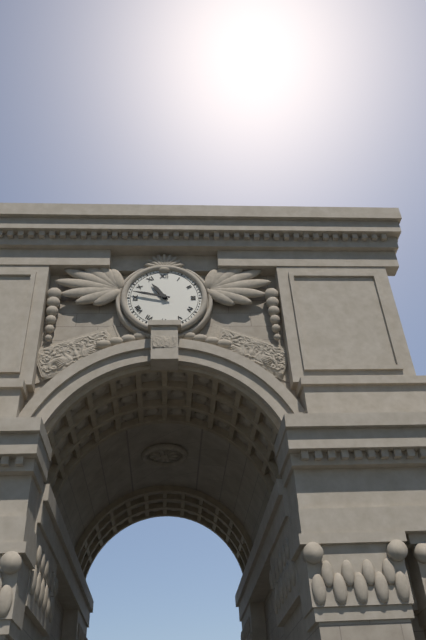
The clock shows 10.47
